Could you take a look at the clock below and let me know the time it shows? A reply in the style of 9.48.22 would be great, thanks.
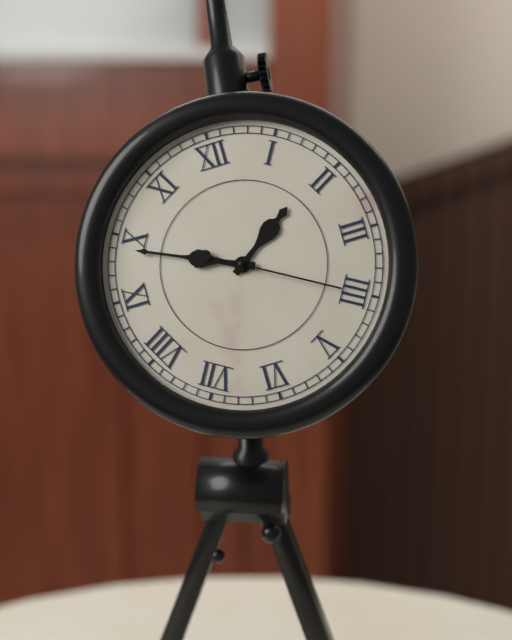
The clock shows 1.49.20
